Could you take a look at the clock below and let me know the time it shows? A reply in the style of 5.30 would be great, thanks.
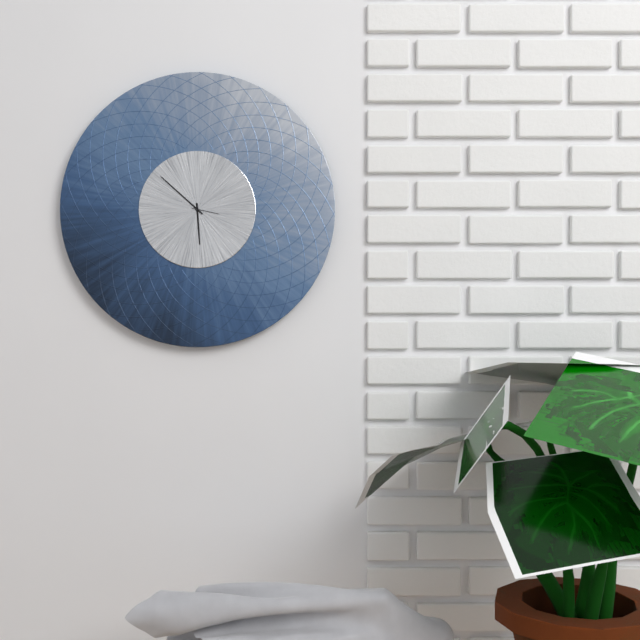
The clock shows 5.52
